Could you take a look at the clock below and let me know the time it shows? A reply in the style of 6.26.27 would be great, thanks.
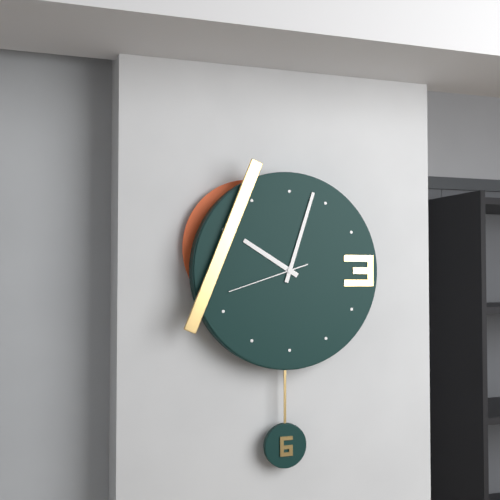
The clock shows 10.03.42
